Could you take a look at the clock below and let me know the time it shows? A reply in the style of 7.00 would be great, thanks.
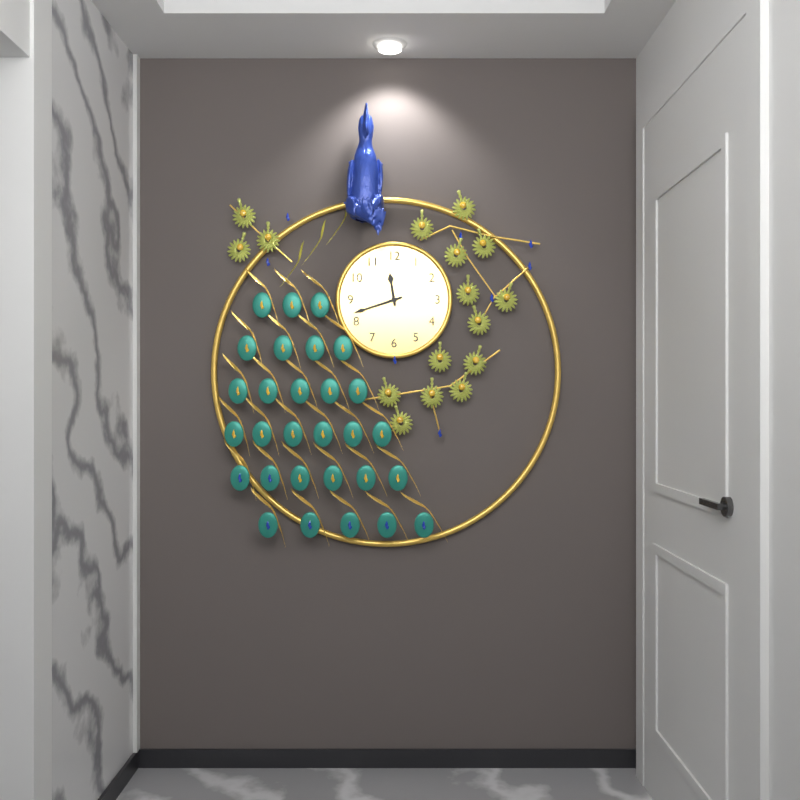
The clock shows 11.42
